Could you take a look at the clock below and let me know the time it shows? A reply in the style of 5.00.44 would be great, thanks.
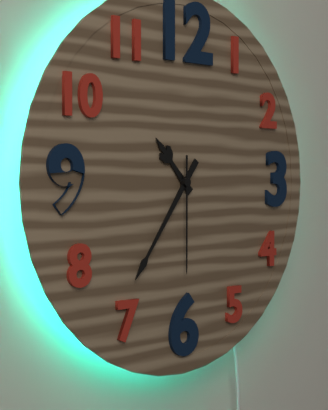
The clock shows 10.36.30
